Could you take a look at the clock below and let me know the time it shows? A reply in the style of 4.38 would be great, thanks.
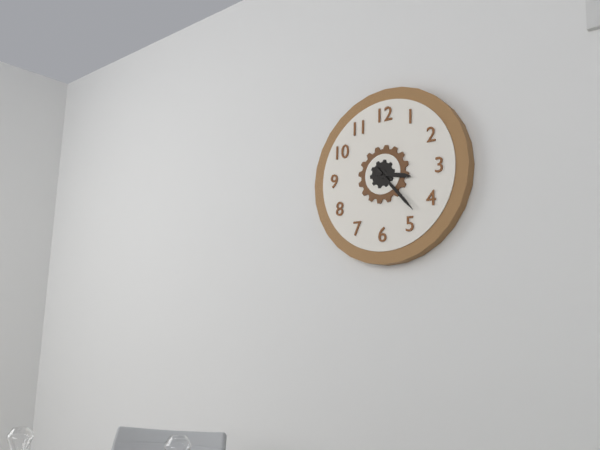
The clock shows 3.23
